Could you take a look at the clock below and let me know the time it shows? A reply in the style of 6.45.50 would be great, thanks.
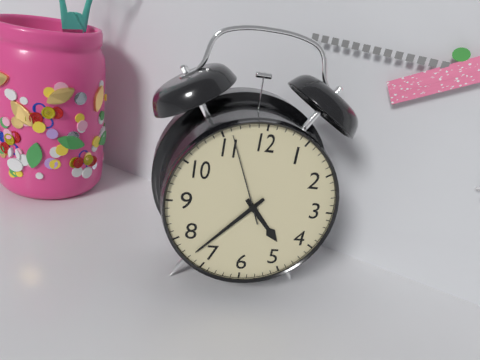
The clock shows 4.37.56
